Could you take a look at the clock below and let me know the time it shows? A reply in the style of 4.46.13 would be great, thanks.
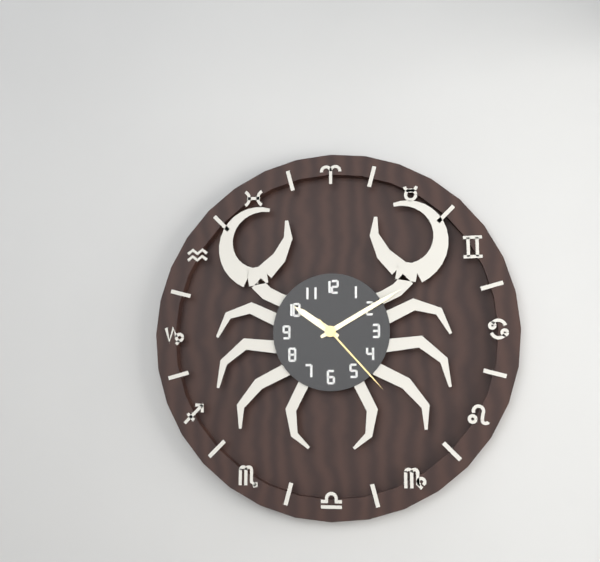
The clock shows 10.10.23
